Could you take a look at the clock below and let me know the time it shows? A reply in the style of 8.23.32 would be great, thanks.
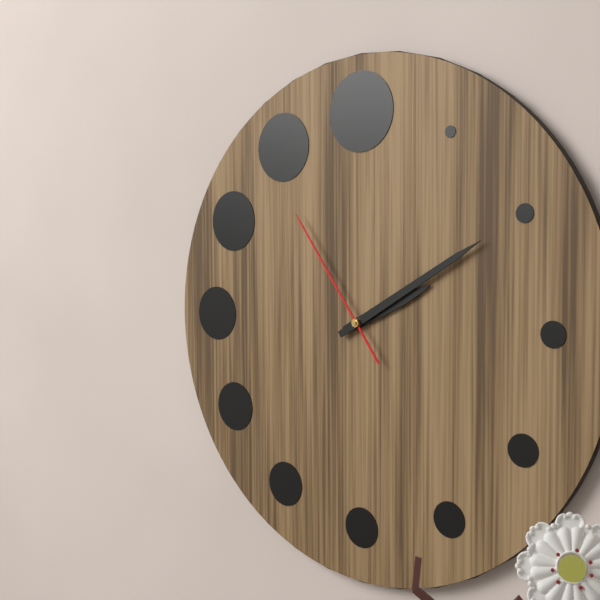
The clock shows 2.10.54
